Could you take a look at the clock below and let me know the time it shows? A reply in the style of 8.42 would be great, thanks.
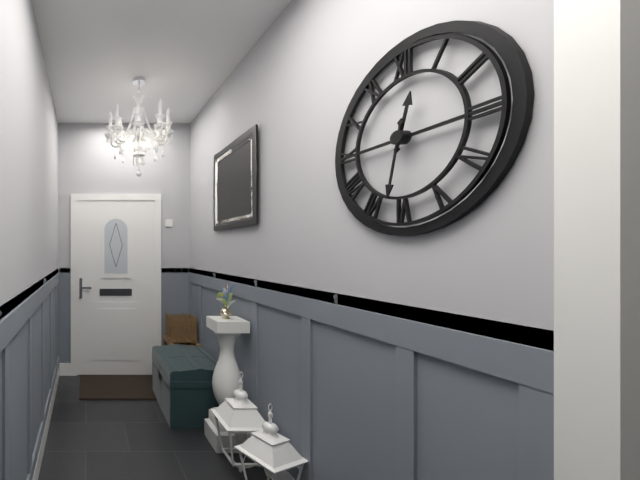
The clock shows 12.32
